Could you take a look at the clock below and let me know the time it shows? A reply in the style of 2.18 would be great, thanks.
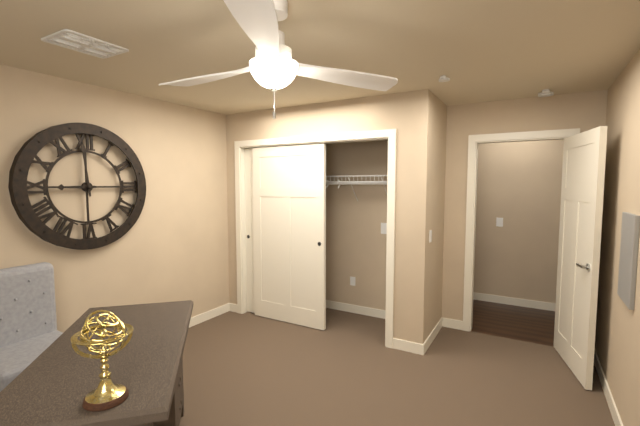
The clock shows 8.59
